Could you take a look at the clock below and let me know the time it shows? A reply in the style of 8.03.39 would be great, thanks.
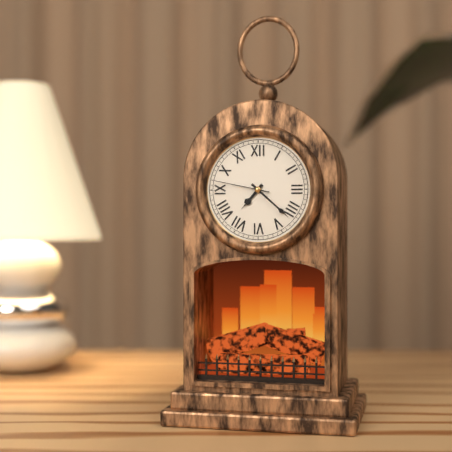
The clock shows 7.22.47
